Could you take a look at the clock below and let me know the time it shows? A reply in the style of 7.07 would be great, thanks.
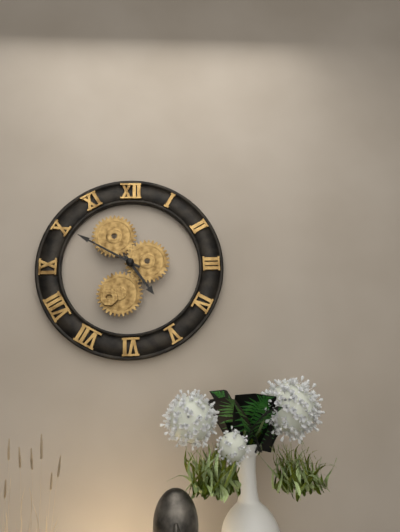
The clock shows 4.50
